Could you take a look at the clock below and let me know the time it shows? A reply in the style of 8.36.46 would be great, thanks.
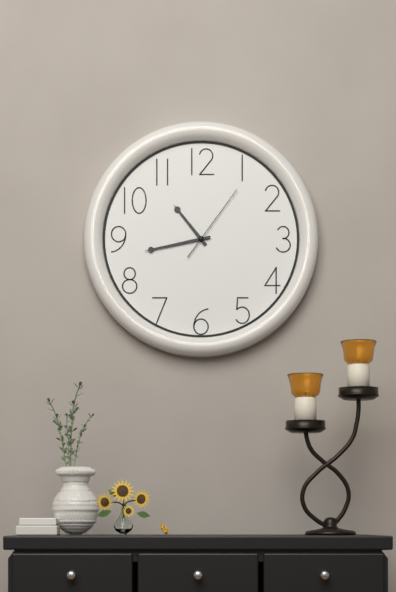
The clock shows 10.43.06
